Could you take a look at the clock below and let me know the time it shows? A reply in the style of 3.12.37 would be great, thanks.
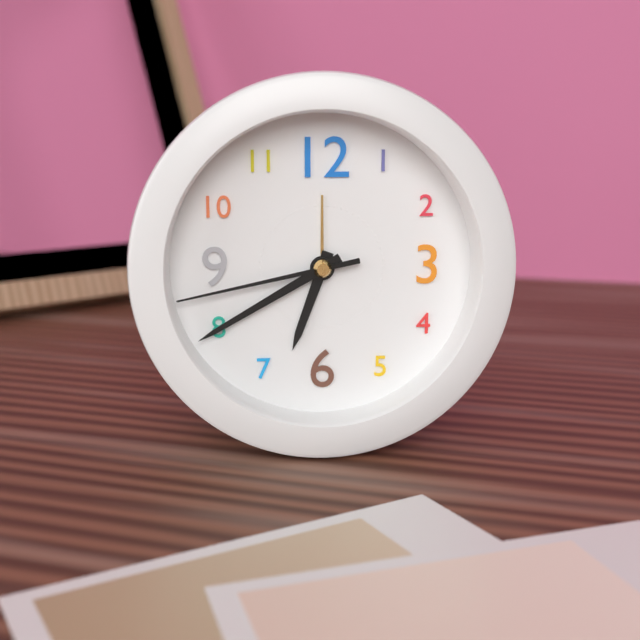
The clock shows 6.40.43
